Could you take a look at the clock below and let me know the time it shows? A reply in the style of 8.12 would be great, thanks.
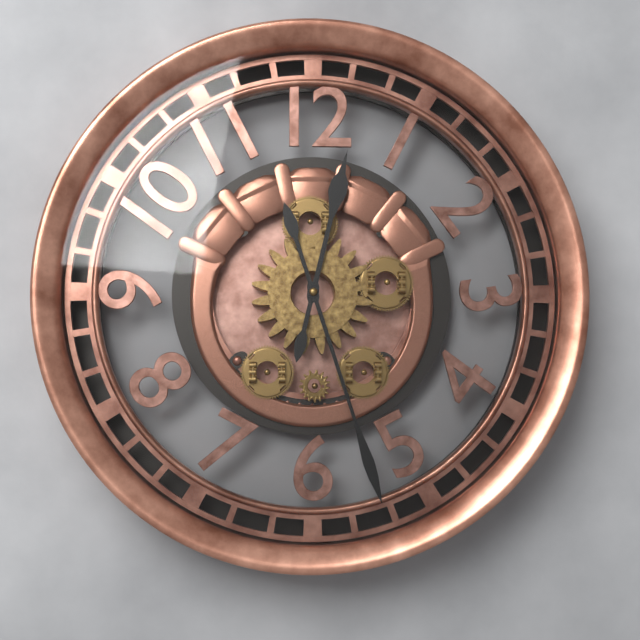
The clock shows 12.27
